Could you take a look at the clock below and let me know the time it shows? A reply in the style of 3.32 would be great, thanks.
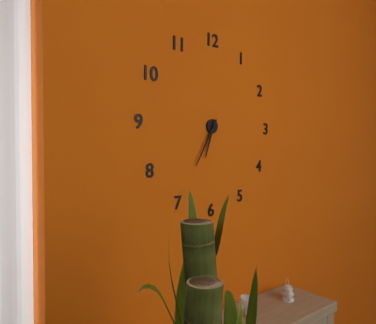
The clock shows 6.35
